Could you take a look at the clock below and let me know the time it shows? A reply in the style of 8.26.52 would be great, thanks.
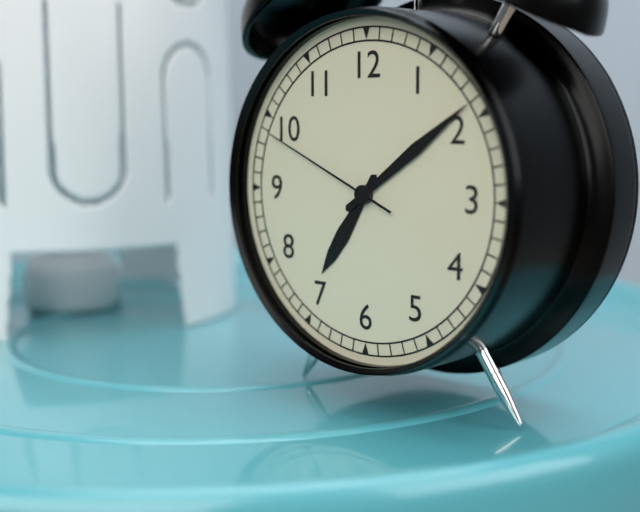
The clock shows 7.09.49
